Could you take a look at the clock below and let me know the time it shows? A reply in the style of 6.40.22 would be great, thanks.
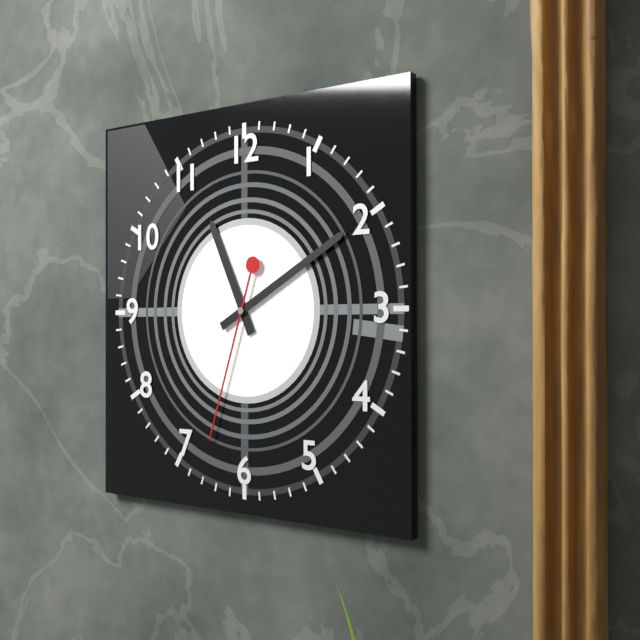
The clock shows 11.10.33
